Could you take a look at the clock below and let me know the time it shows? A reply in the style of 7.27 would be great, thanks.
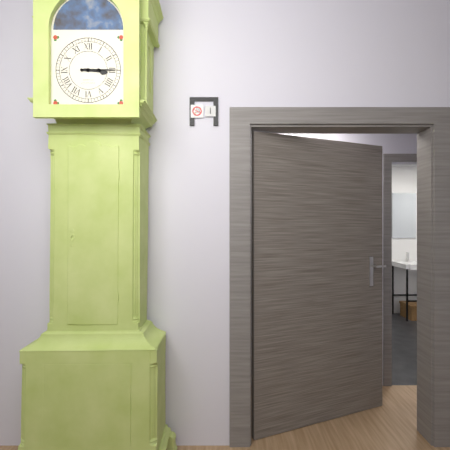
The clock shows 3.15
